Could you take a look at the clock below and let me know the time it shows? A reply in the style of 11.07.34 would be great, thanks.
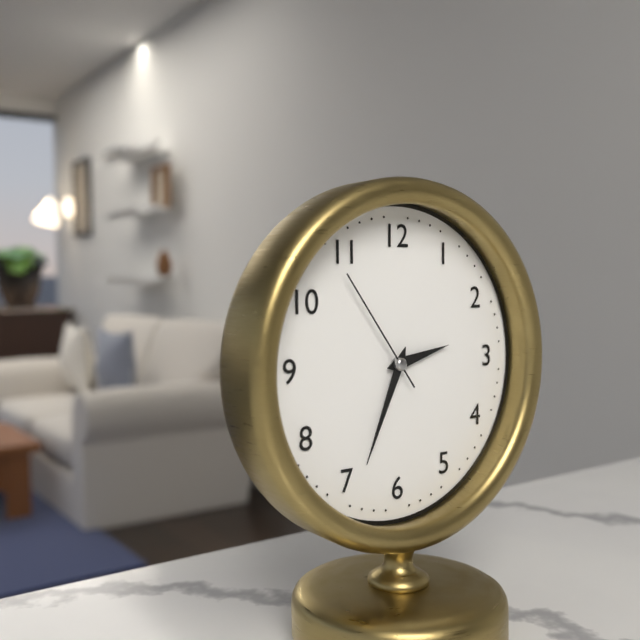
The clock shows 2.34.54
